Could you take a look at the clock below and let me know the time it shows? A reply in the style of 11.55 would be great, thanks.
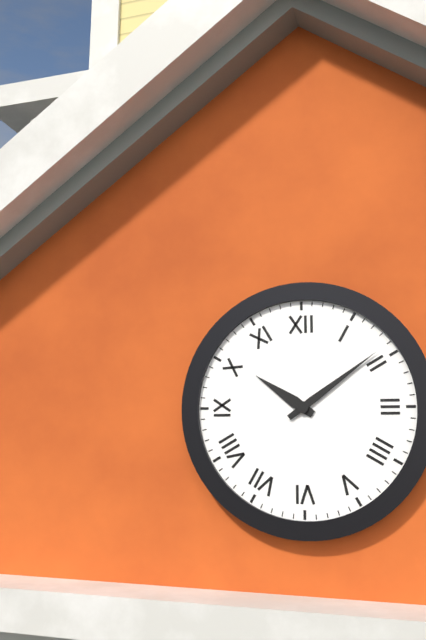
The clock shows 10.09
